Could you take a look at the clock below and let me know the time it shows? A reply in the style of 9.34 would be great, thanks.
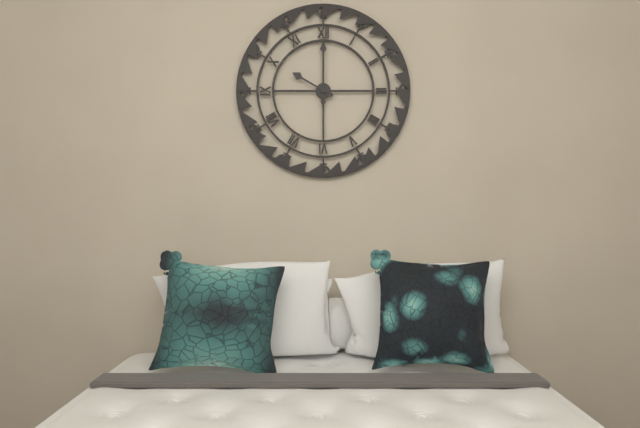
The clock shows 10.00
